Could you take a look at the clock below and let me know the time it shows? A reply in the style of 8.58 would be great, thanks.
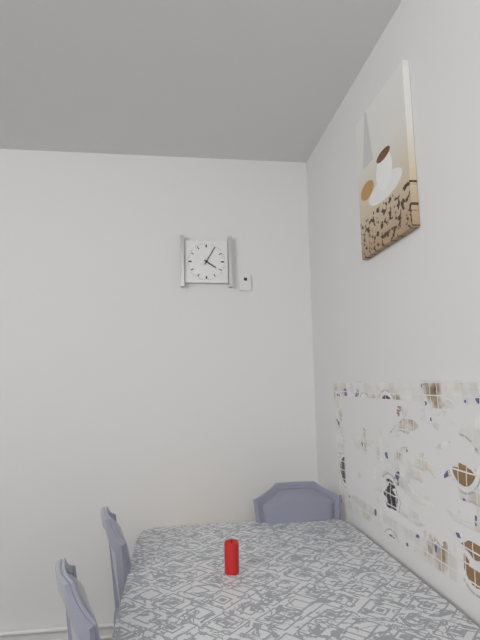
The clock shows 4.05
